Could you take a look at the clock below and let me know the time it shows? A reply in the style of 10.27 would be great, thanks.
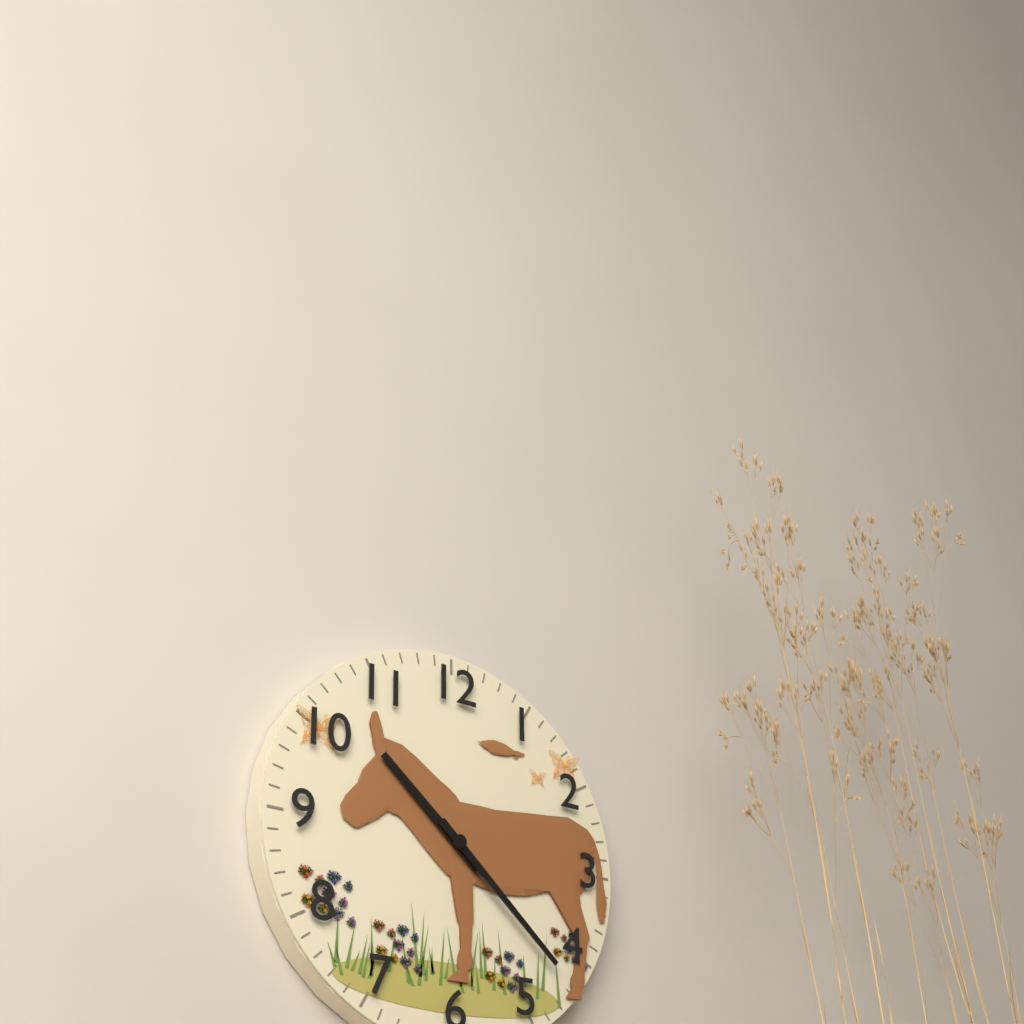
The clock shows 10.22
